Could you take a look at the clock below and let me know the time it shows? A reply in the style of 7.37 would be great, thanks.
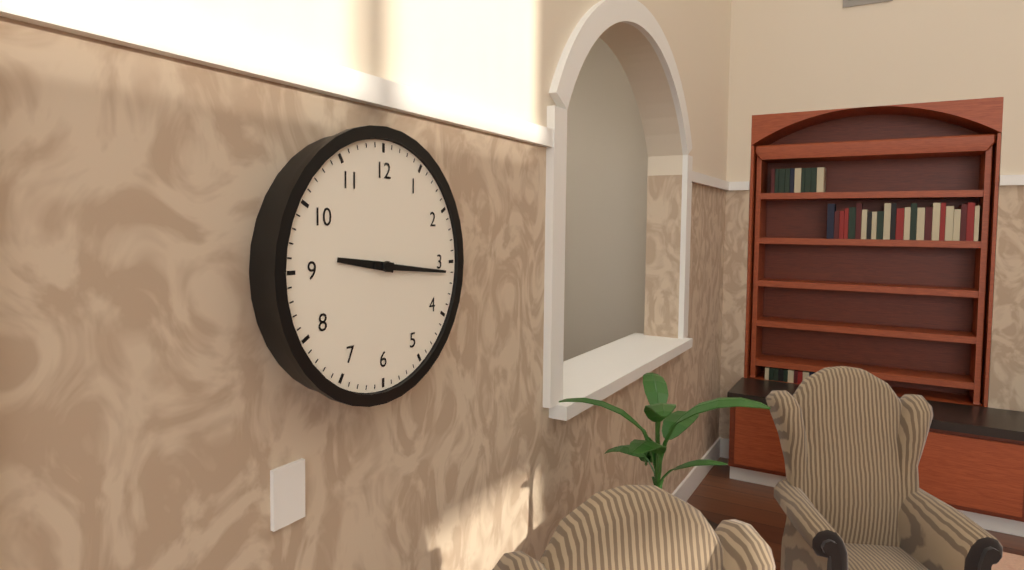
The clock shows 9.16
